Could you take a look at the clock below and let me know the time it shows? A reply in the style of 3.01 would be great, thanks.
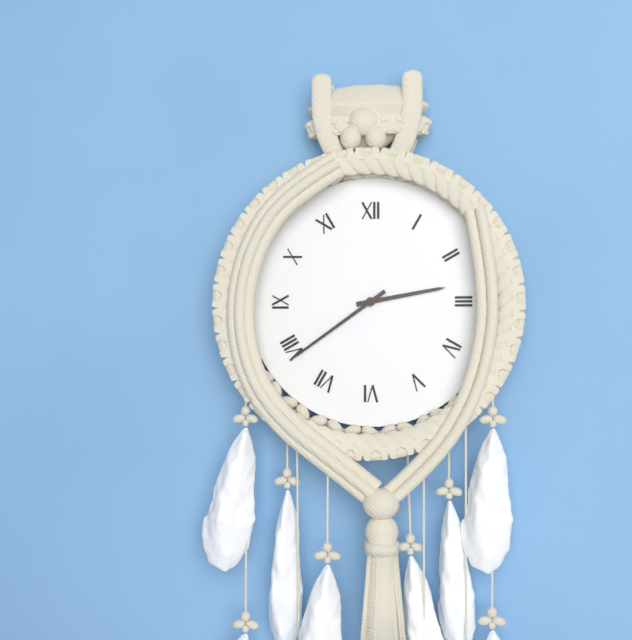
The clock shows 2.39
